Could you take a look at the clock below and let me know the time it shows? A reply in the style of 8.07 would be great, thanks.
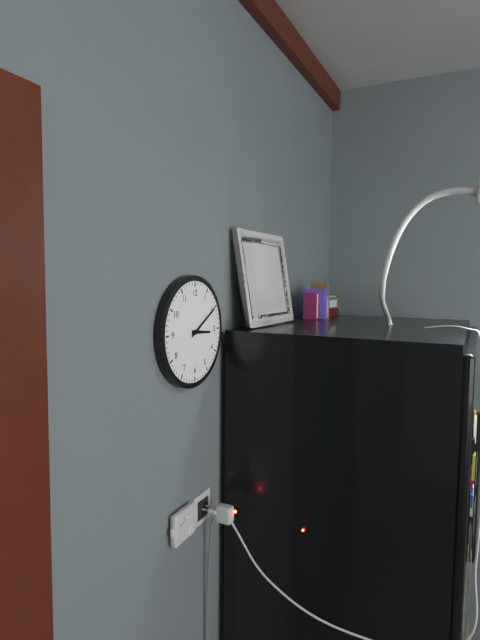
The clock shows 3.10
